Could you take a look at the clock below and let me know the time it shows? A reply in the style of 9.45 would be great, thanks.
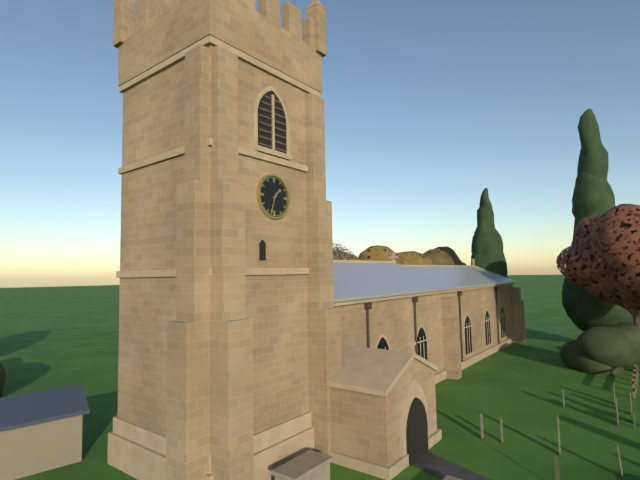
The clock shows 1.33
